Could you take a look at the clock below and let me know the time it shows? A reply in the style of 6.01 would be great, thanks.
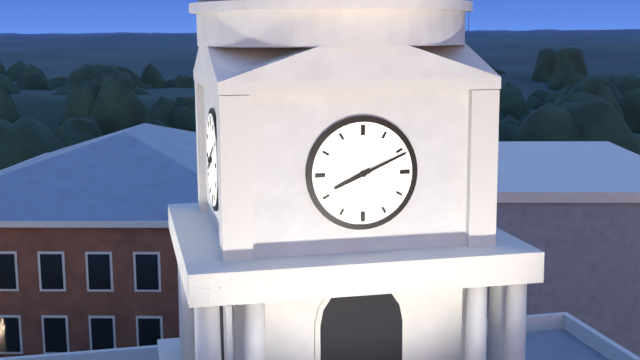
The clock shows 8.11
